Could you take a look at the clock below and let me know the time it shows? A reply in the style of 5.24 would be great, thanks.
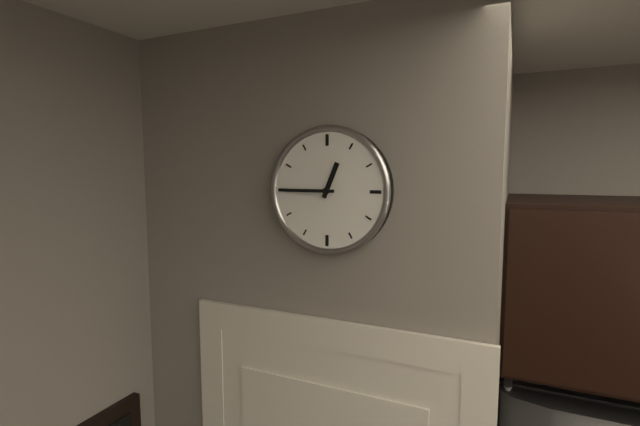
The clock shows 12.45
